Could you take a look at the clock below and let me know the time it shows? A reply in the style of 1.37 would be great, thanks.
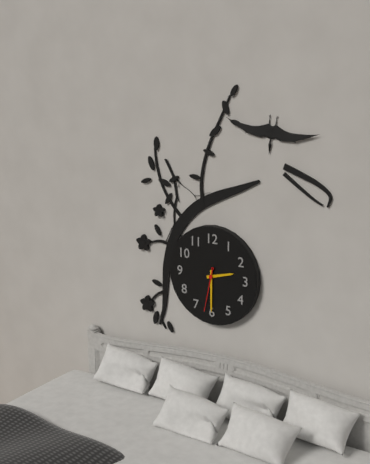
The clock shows 2.30
